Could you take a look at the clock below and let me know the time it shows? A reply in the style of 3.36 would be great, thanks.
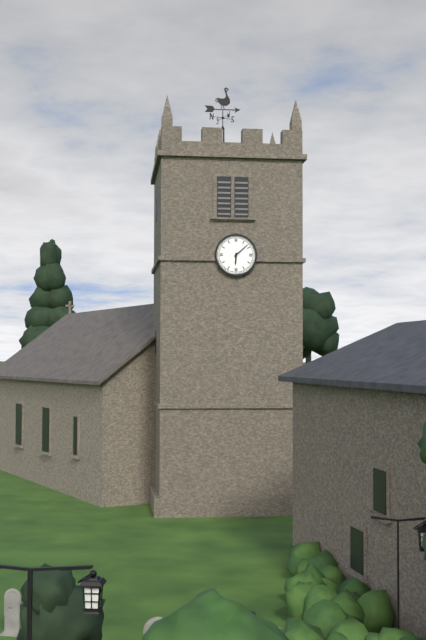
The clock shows 6.08
